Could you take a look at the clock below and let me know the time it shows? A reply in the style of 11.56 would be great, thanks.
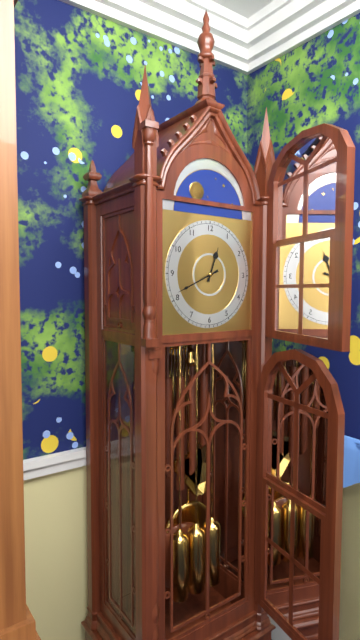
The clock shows 12.41
